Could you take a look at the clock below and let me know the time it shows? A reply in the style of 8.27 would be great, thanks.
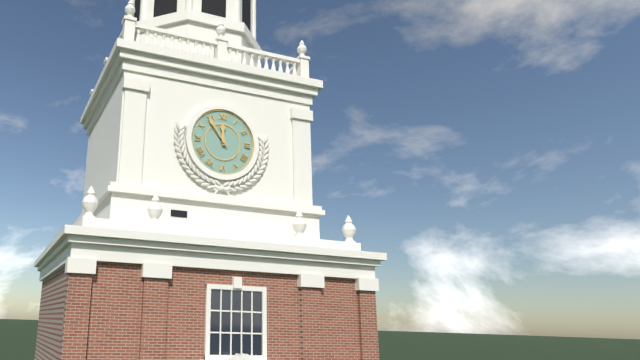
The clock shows 11.54
